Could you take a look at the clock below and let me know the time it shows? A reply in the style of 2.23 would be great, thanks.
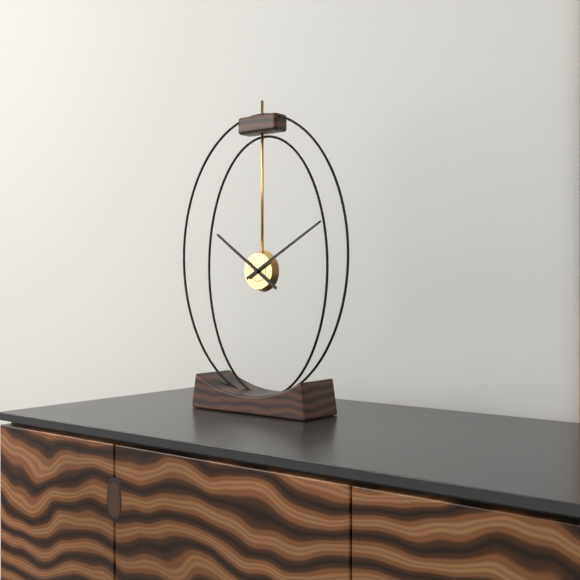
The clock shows 10.10
